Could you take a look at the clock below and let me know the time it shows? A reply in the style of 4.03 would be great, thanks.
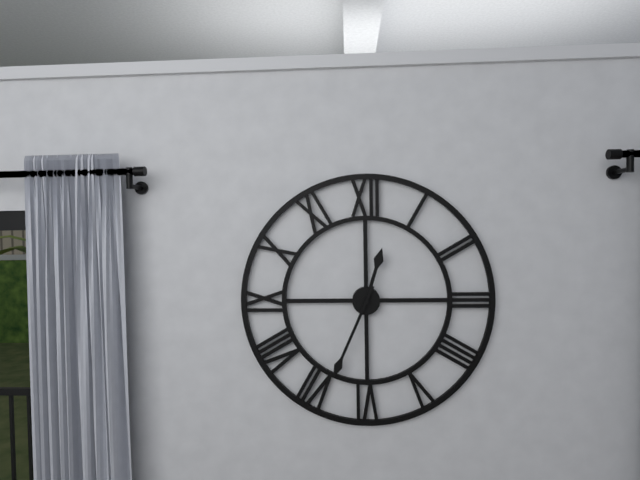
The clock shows 12.34
